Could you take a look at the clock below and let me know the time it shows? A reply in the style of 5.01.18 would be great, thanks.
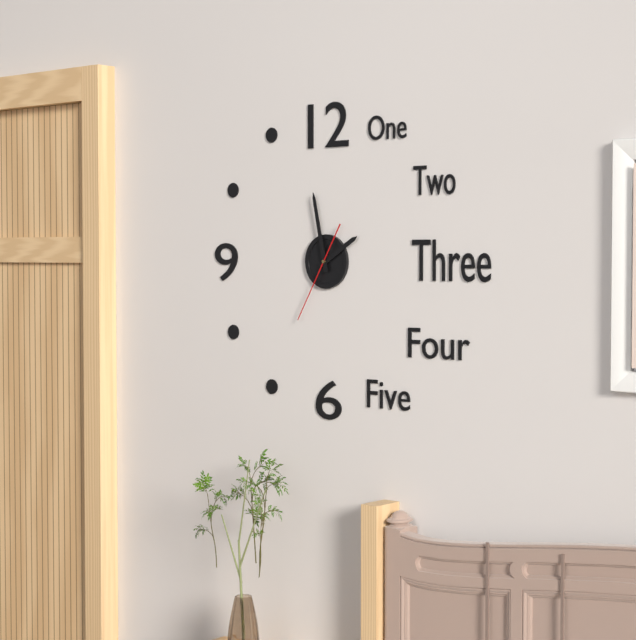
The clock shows 1.58.35
